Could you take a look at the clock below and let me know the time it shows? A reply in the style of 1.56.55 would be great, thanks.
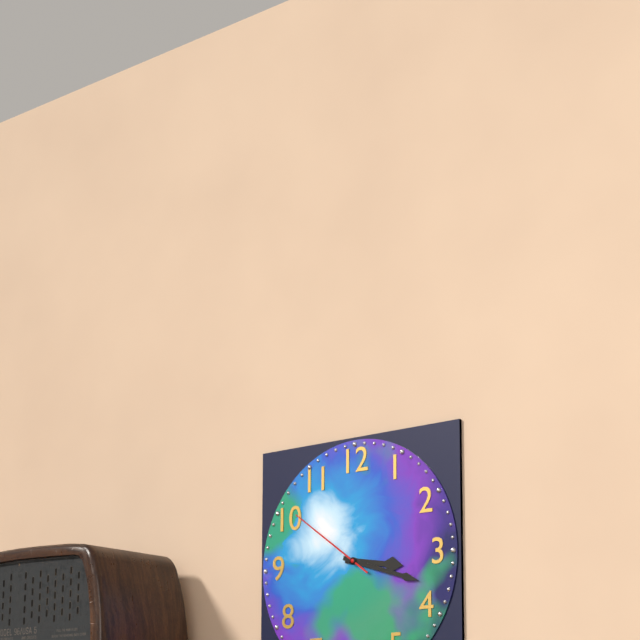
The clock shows 3.18.51
